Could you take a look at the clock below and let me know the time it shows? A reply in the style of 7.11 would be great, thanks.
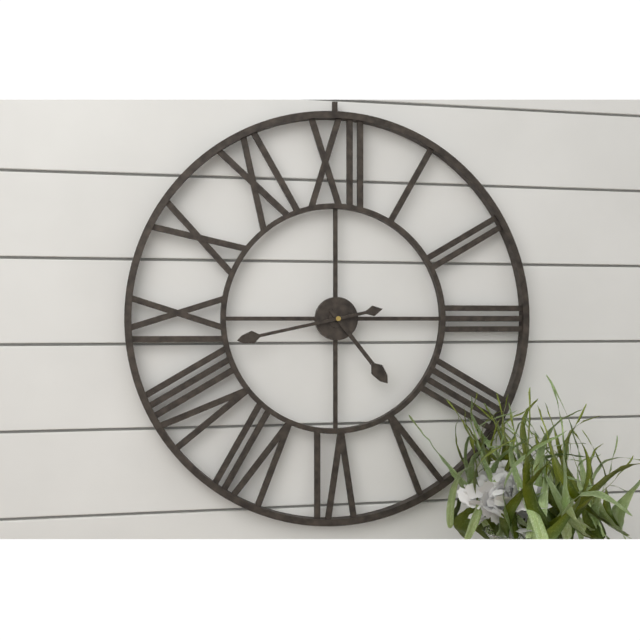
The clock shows 4.43
